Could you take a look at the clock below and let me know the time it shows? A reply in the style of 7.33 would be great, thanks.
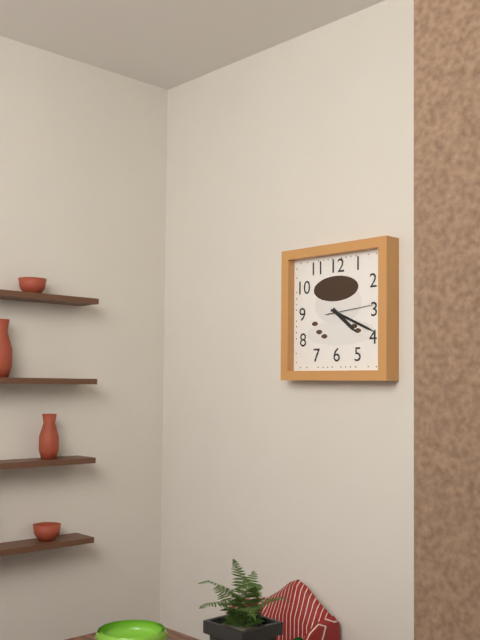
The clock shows 4.19
